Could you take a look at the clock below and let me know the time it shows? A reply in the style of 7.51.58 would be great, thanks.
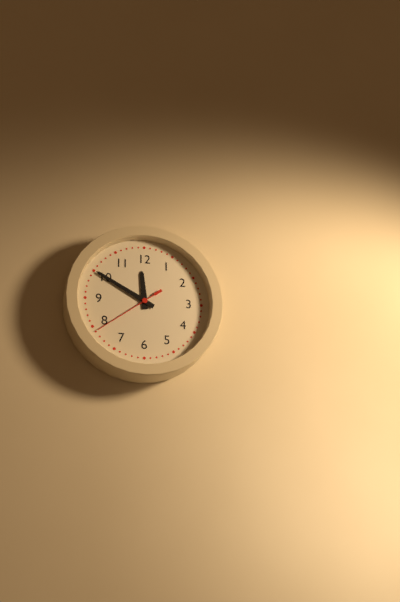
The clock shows 11.50.39
